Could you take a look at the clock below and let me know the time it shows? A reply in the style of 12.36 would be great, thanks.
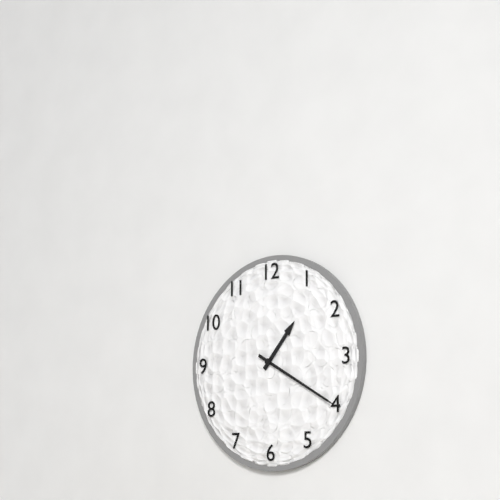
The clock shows 1.20
